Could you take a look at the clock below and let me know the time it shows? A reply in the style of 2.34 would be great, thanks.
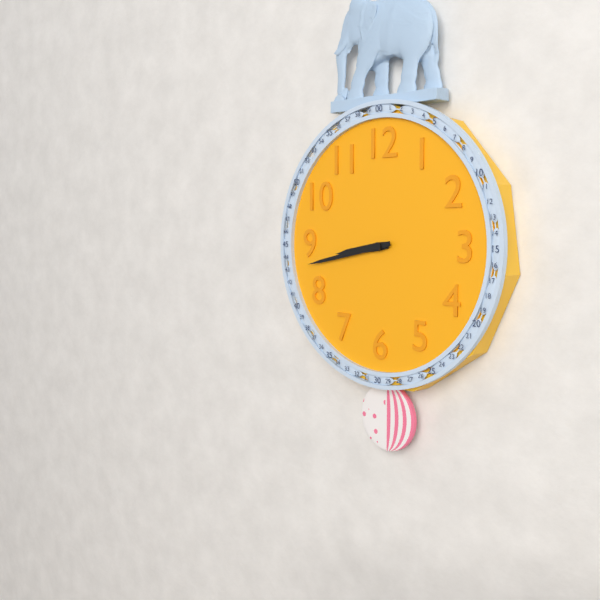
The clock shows 8.43
